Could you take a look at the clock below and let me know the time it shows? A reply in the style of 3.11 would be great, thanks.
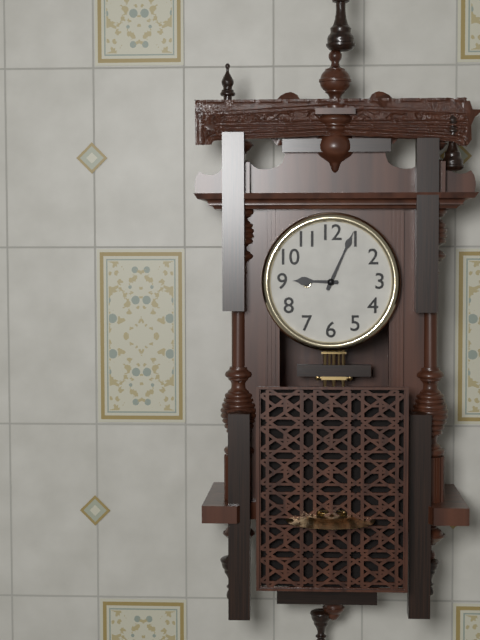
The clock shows 9.04
